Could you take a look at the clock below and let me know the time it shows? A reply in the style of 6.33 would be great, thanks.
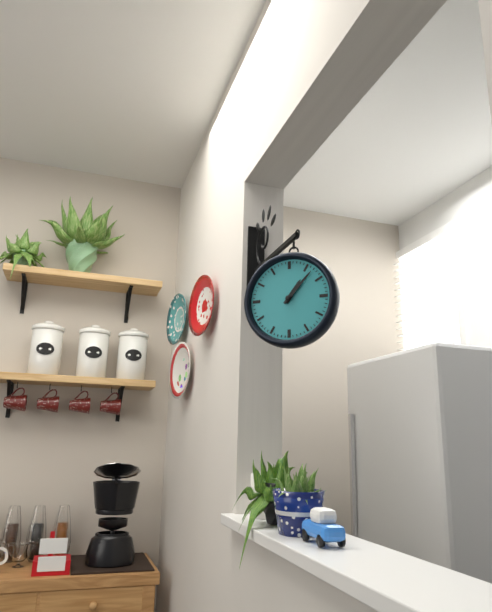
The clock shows 1.07
